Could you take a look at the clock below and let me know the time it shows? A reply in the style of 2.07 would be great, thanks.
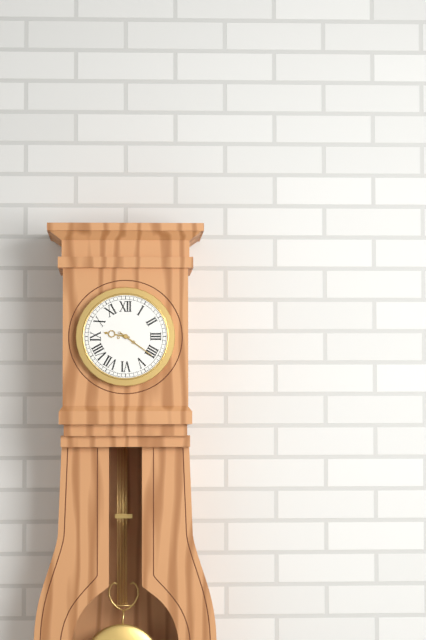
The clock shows 9.21
